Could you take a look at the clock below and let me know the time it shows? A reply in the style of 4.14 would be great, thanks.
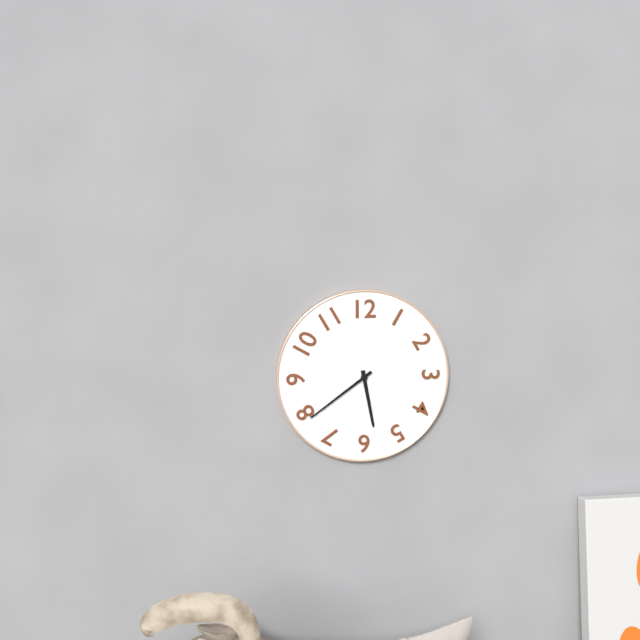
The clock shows 5.39
